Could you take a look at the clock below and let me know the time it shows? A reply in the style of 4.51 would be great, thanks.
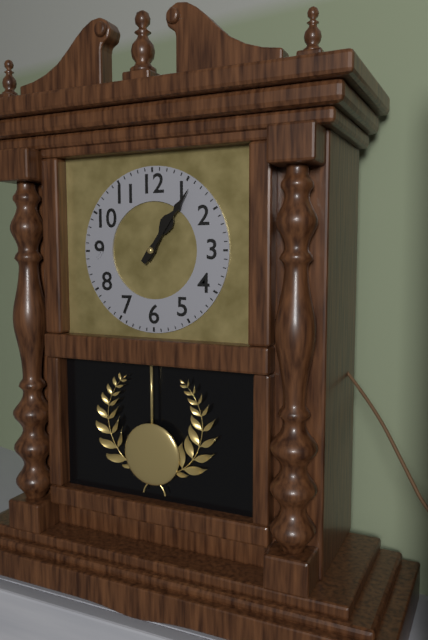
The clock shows 1.06
